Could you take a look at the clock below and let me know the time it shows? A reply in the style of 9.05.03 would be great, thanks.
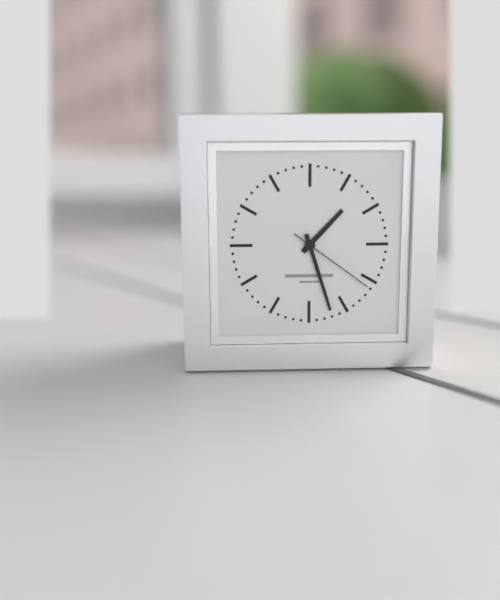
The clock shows 1.27.21
